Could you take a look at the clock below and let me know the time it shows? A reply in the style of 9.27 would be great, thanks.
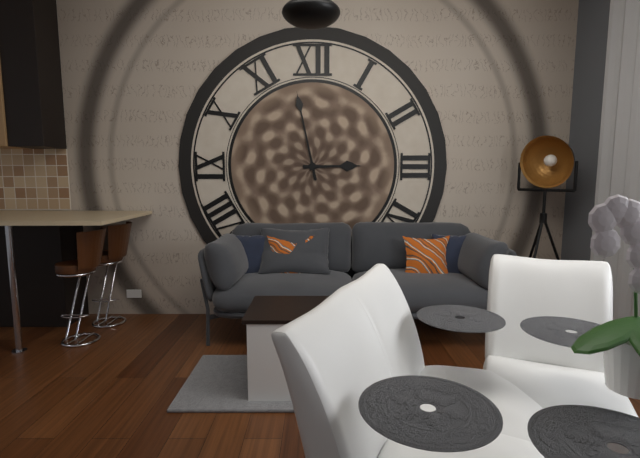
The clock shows 2.58
